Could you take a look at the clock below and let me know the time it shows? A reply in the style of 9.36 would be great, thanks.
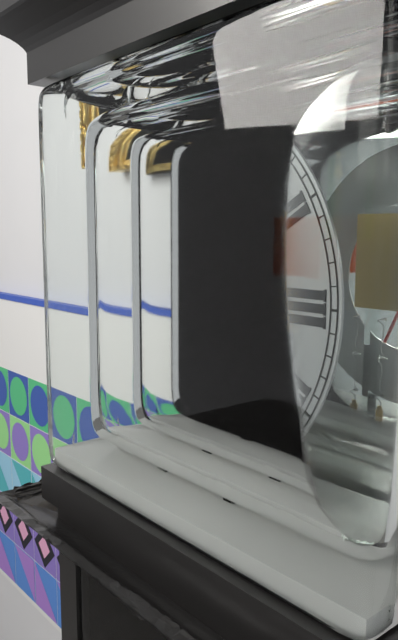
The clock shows 1.34
